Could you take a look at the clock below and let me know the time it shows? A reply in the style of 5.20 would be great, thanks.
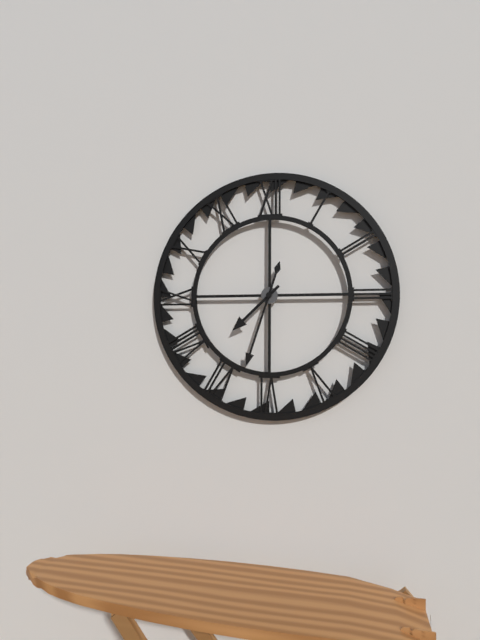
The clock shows 7.33
